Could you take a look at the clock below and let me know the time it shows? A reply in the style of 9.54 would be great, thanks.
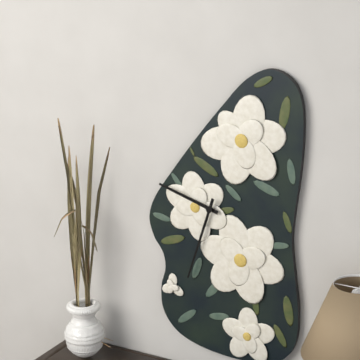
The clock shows 9.33
